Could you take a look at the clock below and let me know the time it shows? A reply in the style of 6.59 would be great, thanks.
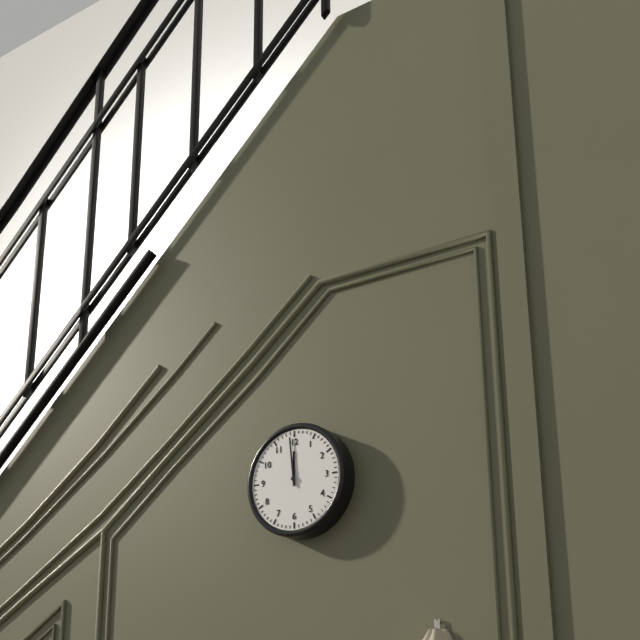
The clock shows 11.59
